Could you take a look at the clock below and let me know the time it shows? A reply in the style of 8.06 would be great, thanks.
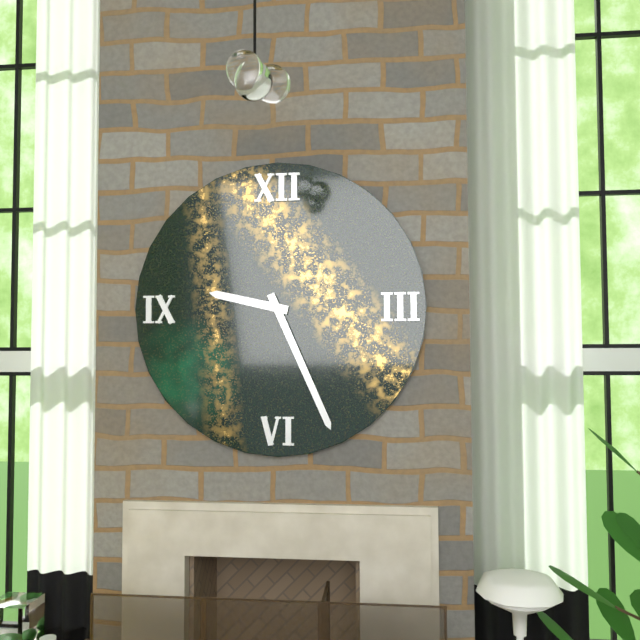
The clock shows 9.26
